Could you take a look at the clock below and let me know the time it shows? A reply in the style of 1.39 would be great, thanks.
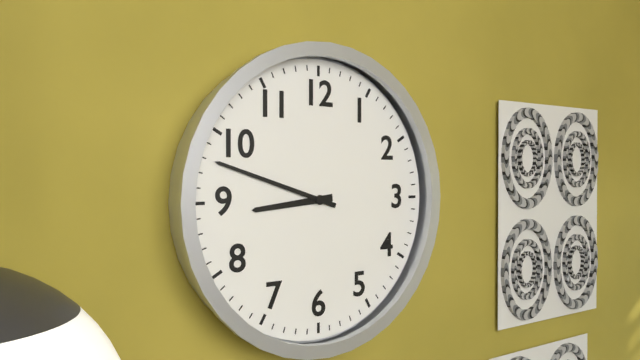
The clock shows 8.48
